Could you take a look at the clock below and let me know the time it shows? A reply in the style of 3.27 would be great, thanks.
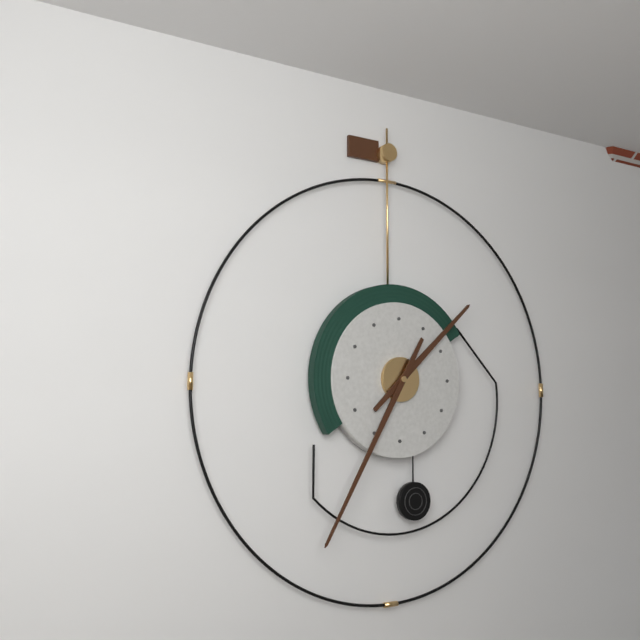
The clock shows 1.35
